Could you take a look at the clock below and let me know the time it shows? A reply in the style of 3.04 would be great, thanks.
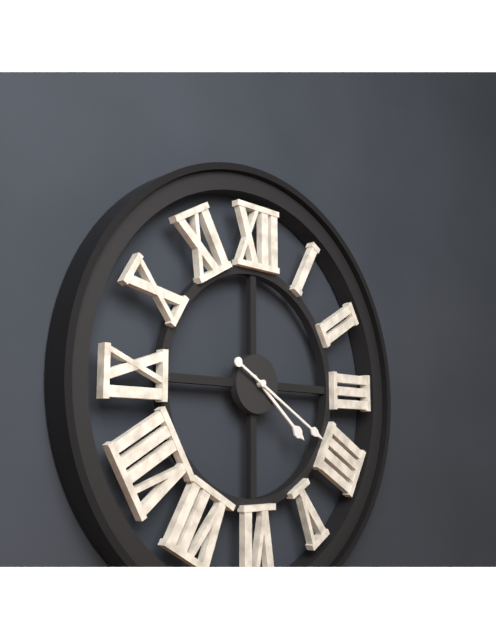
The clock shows 4.20
